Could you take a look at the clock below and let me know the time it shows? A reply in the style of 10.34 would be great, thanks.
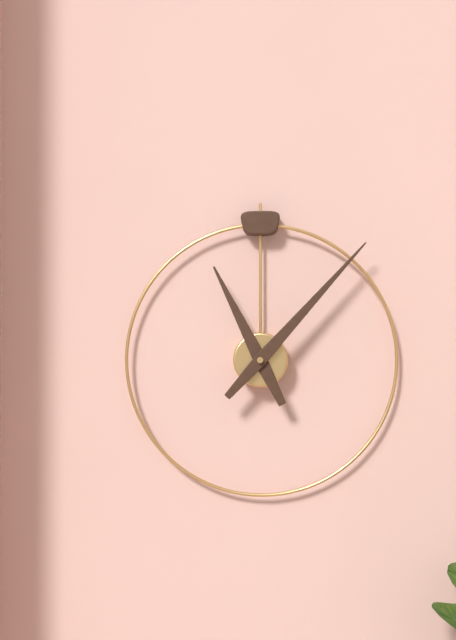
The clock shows 11.07
